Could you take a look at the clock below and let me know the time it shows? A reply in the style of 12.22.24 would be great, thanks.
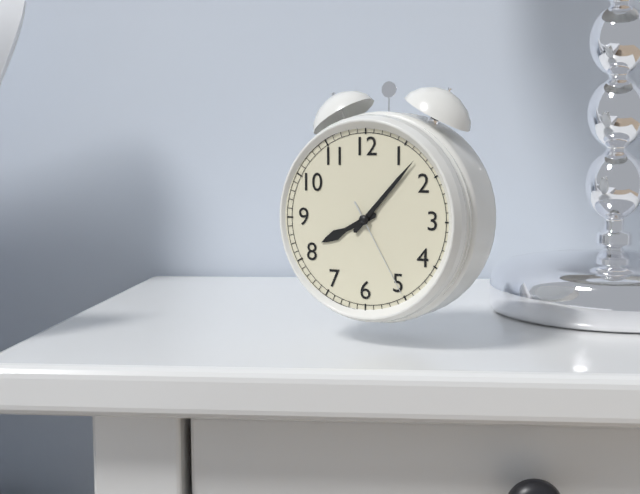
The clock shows 8.07.25
